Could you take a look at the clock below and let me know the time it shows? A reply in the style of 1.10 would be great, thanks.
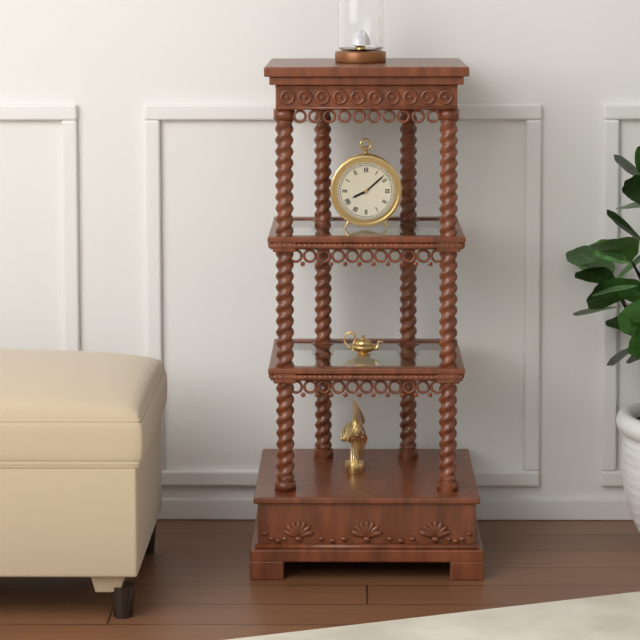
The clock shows 8.08
